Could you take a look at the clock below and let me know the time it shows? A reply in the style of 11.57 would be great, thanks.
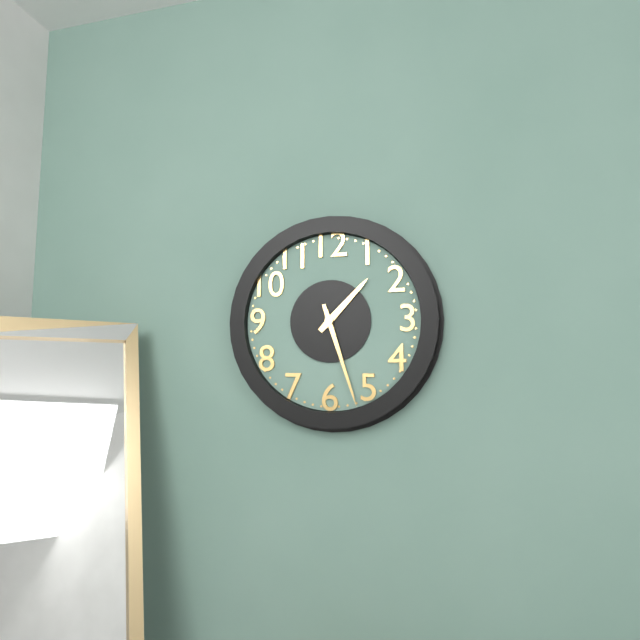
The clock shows 1.27
